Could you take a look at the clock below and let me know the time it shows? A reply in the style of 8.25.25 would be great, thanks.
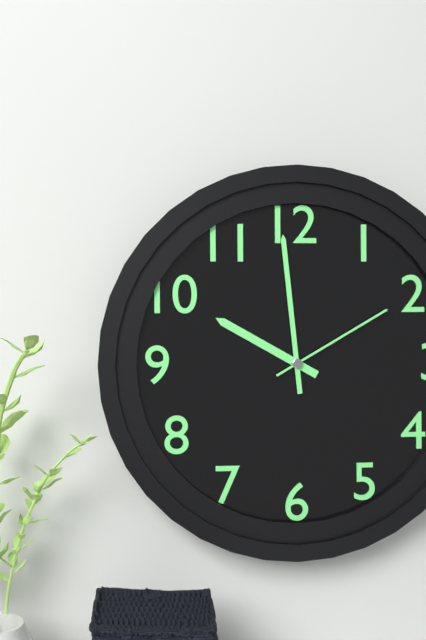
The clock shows 9.59.10
